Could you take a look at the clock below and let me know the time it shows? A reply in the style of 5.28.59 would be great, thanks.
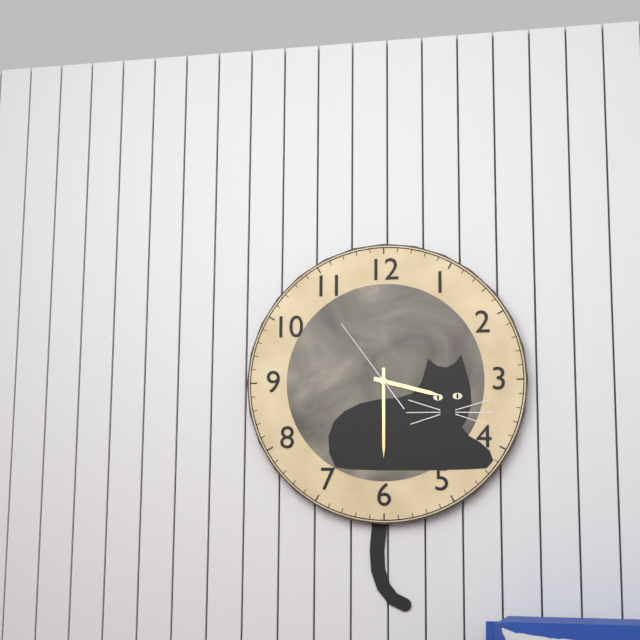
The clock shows 3.30.54
